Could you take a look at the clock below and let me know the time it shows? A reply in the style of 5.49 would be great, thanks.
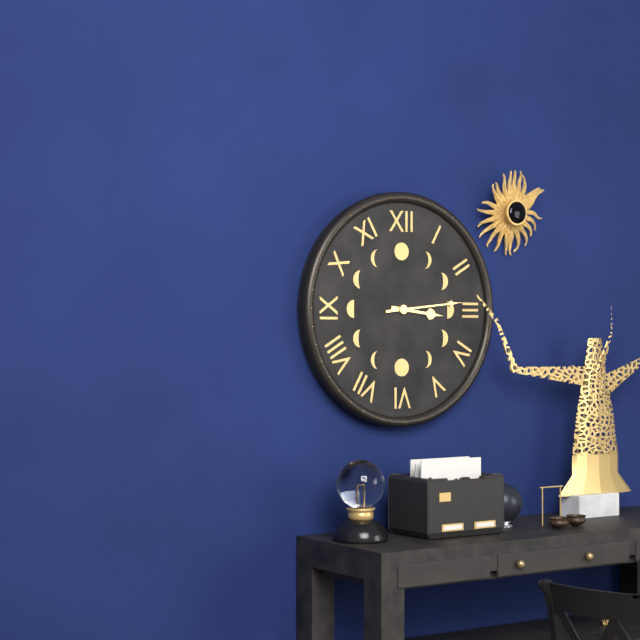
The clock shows 3.14
